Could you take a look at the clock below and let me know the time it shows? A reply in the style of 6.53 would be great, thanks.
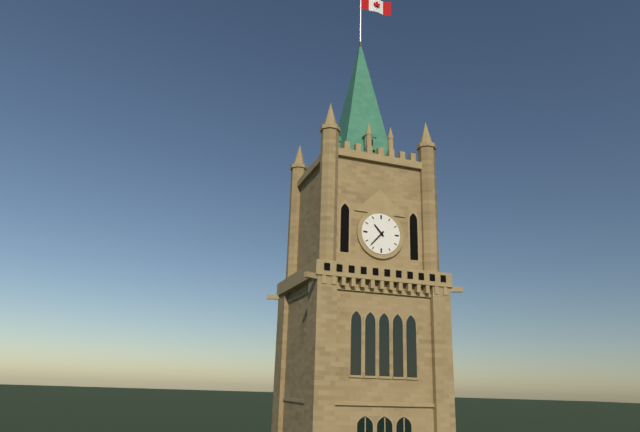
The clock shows 10.37
